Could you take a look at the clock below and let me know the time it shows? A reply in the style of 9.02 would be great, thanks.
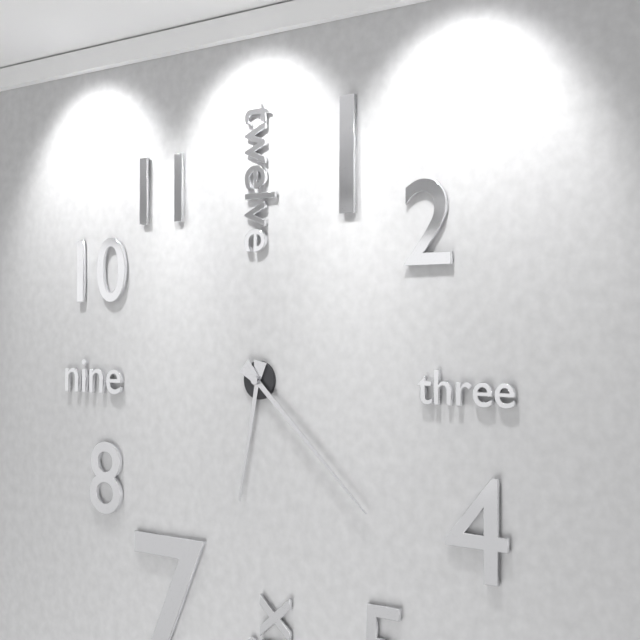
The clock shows 6.22
